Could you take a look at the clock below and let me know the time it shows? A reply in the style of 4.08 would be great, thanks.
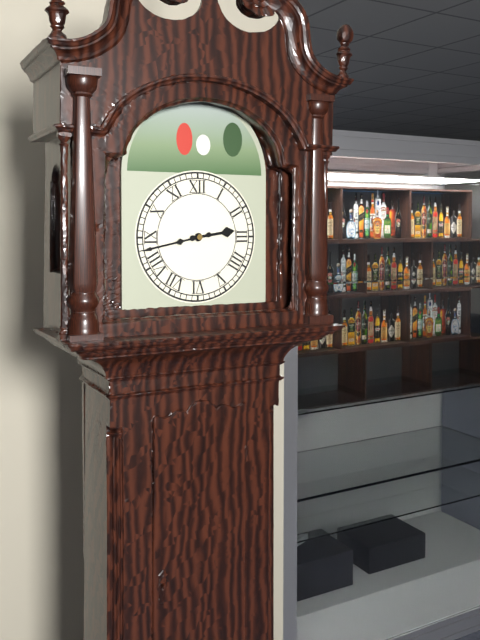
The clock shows 2.43
